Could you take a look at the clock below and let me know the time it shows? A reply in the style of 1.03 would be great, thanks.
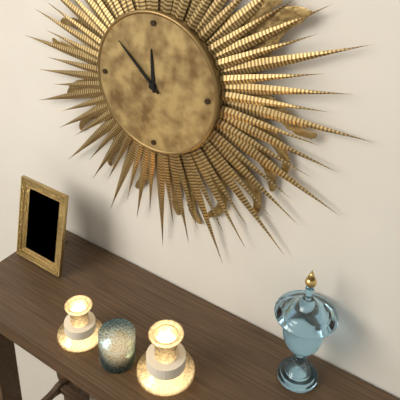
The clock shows 11.52
